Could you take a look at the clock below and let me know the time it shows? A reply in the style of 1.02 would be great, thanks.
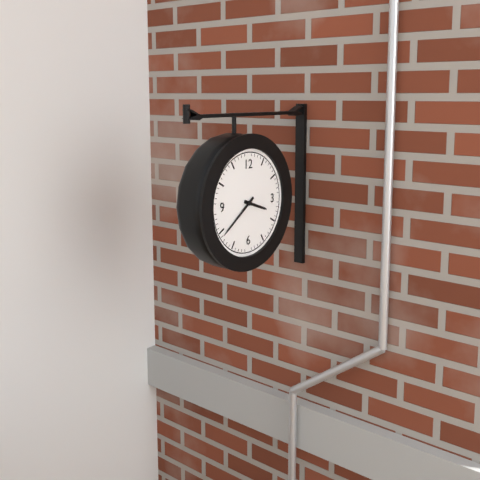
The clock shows 3.39
